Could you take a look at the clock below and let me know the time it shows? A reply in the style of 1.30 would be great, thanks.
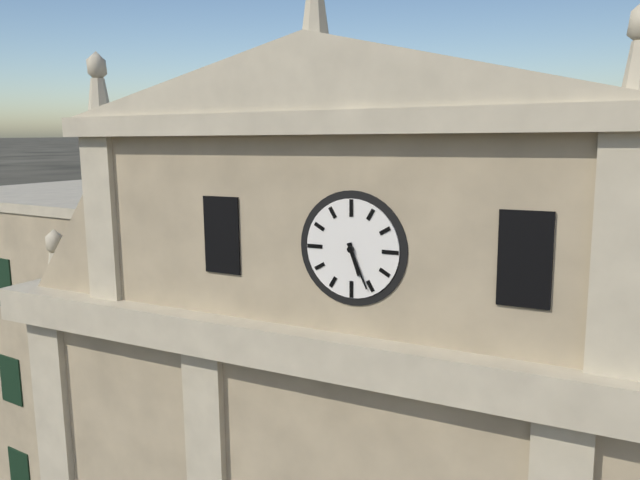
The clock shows 5.26
